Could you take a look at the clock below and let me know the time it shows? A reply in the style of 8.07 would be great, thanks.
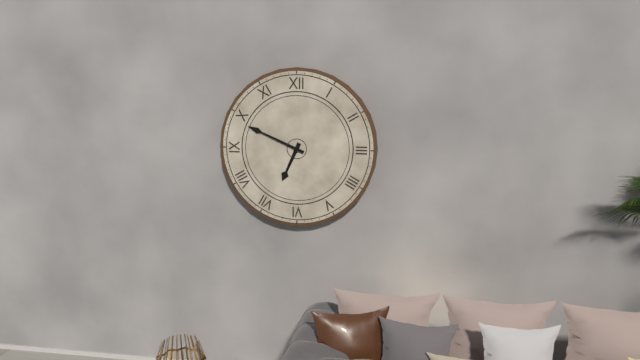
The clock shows 6.49
